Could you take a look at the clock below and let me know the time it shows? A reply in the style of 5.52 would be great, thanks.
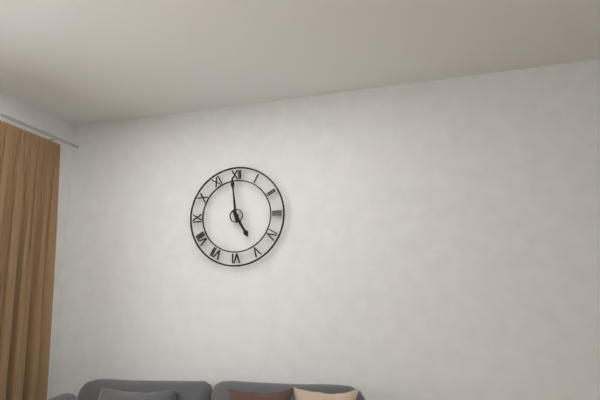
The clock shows 4.59
